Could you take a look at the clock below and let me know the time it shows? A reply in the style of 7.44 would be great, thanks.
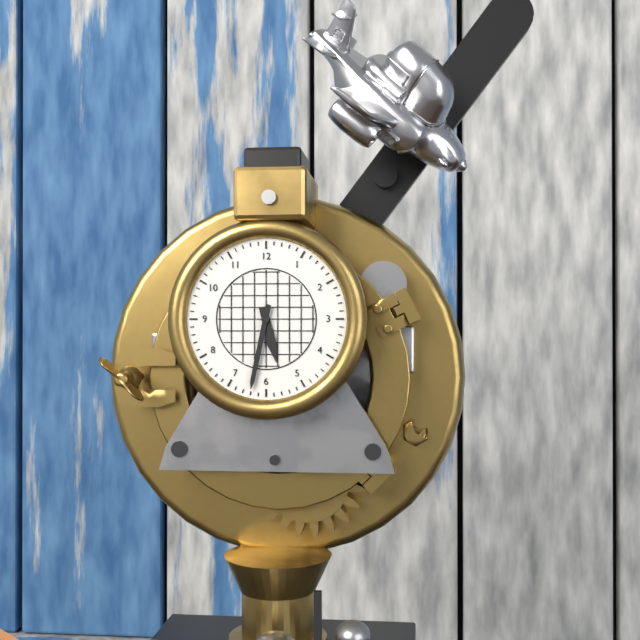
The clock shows 5.32
